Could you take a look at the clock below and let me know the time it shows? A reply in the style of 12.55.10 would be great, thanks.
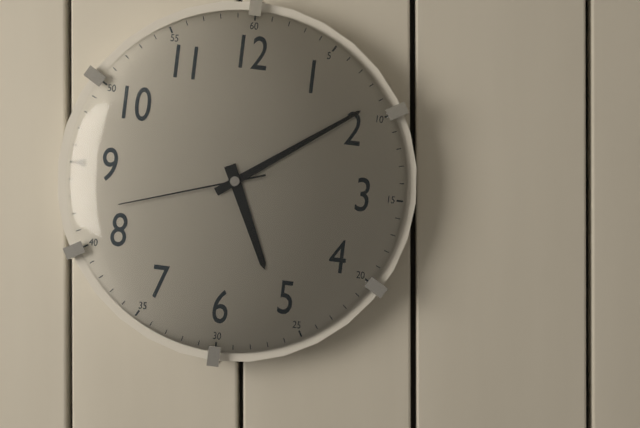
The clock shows 5.09.42
